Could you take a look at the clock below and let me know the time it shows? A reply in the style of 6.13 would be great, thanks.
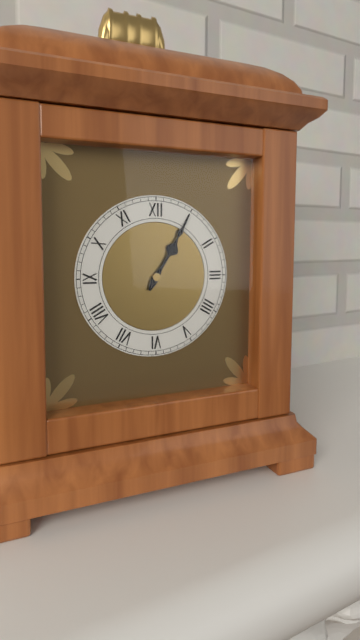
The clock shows 1.05
